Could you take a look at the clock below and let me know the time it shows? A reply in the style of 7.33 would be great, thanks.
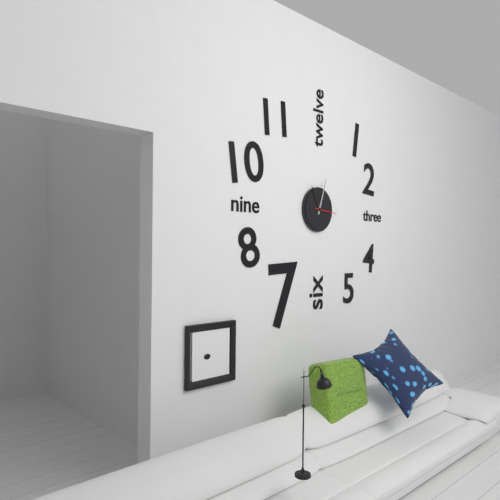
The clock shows 11.03
